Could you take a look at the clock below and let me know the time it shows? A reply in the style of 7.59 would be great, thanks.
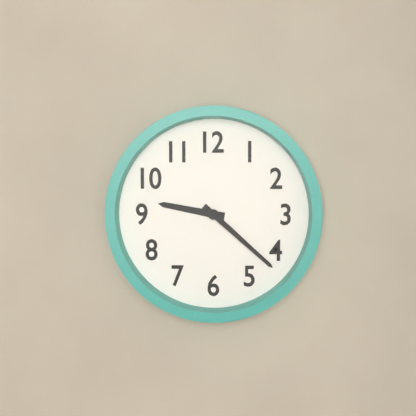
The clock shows 9.22
